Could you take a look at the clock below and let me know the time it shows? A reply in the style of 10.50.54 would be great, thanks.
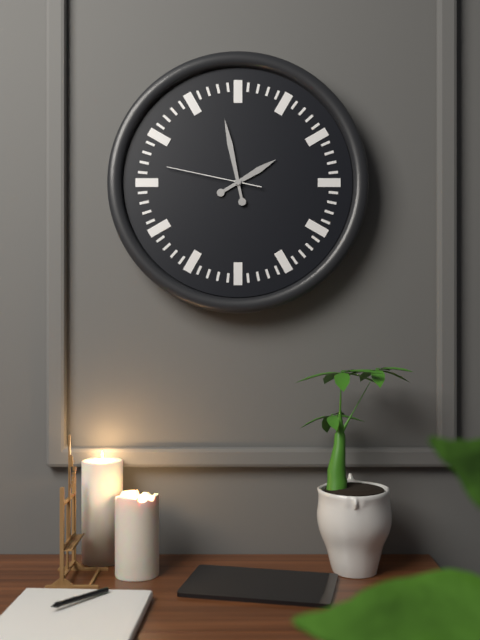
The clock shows 1.58.47
